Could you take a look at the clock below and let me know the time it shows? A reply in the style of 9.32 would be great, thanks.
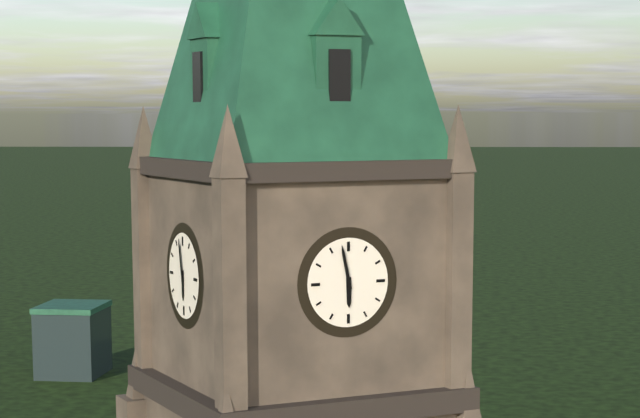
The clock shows 5.58
